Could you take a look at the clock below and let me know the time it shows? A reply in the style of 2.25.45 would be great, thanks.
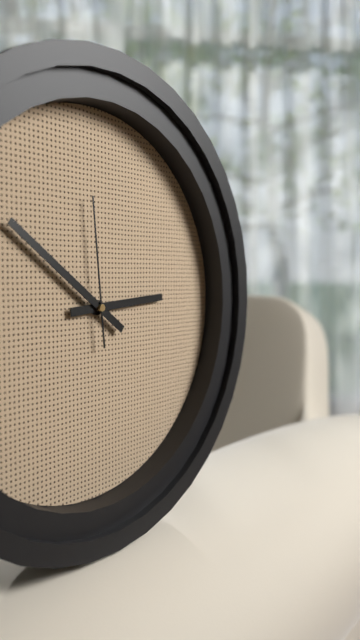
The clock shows 2.51.59
